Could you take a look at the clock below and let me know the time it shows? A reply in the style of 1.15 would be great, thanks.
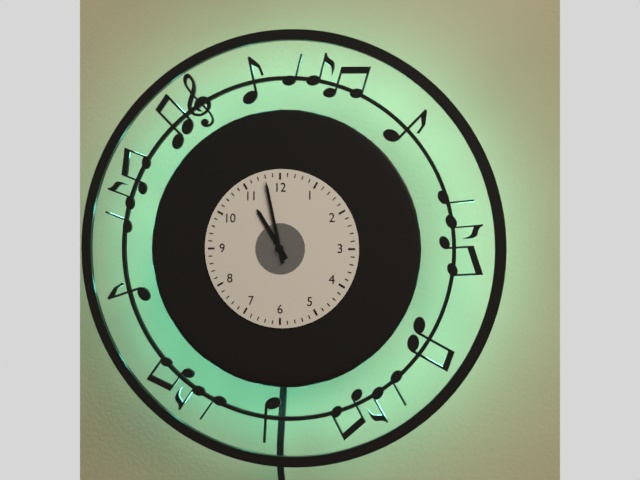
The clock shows 10.58
